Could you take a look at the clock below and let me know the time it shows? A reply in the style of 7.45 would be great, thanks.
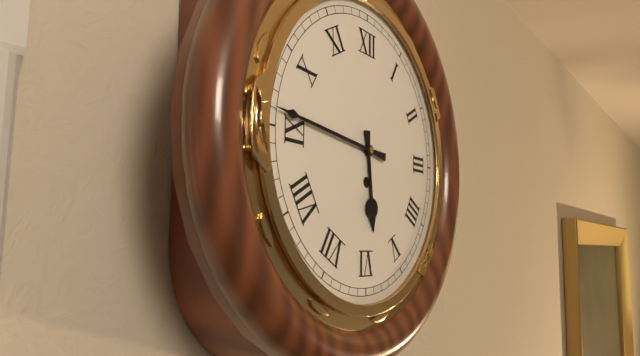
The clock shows 5.46
